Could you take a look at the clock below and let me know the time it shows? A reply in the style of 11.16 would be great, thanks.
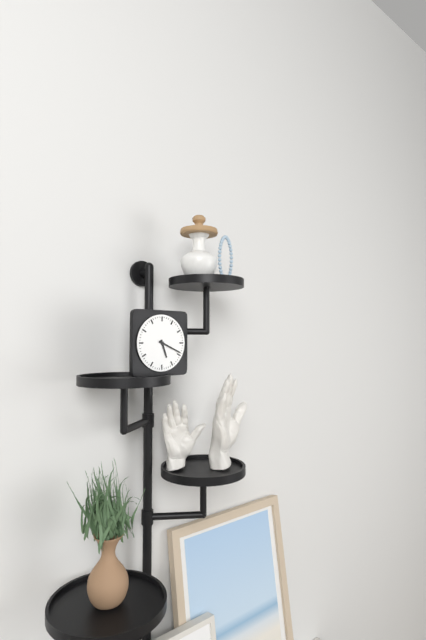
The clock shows 5.19
